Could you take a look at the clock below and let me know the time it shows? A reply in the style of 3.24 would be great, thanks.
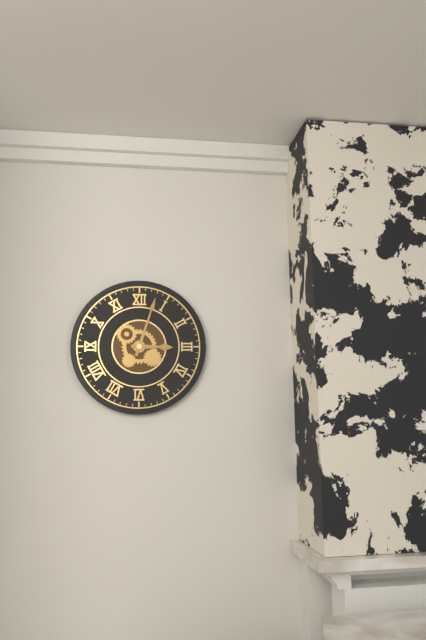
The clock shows 3.03
